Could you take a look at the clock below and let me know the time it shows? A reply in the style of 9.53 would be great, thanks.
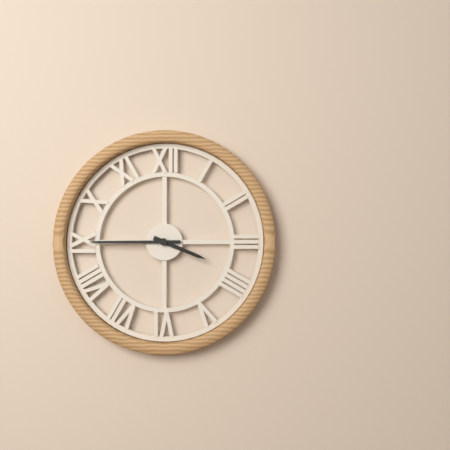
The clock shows 3.45
